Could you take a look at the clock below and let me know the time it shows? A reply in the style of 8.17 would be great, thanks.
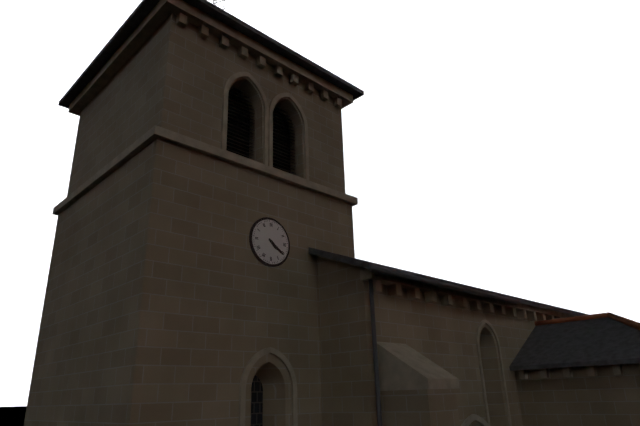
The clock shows 4.21
